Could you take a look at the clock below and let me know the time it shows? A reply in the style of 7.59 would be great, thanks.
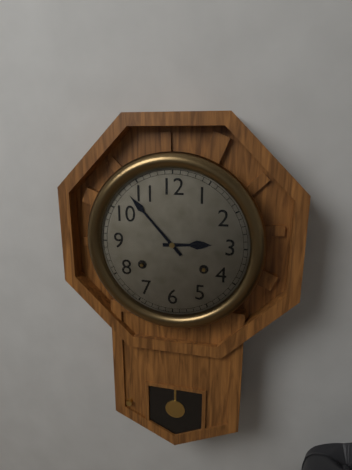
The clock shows 2.53
